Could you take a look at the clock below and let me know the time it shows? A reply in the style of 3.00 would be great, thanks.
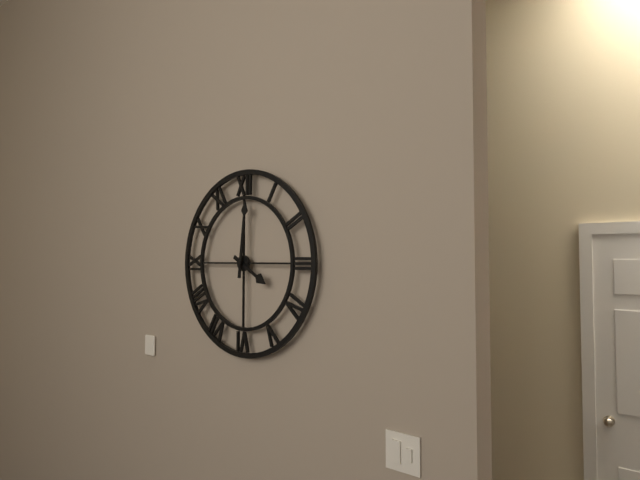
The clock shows 4.01
